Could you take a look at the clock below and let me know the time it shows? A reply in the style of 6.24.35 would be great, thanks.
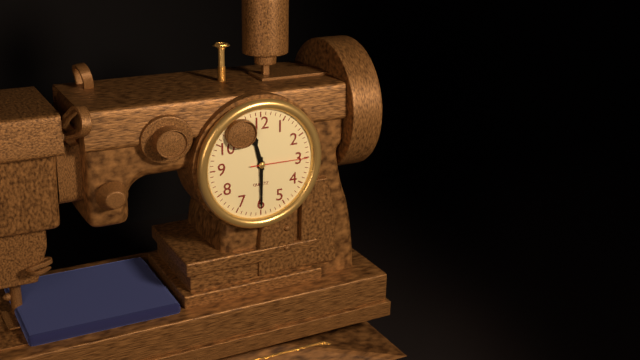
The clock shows 11.30.15
